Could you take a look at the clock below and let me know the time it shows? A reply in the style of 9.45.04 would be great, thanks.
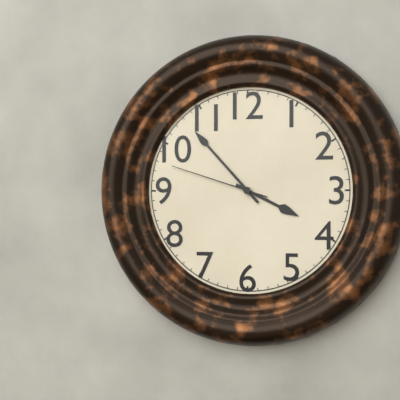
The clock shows 3.53.48
